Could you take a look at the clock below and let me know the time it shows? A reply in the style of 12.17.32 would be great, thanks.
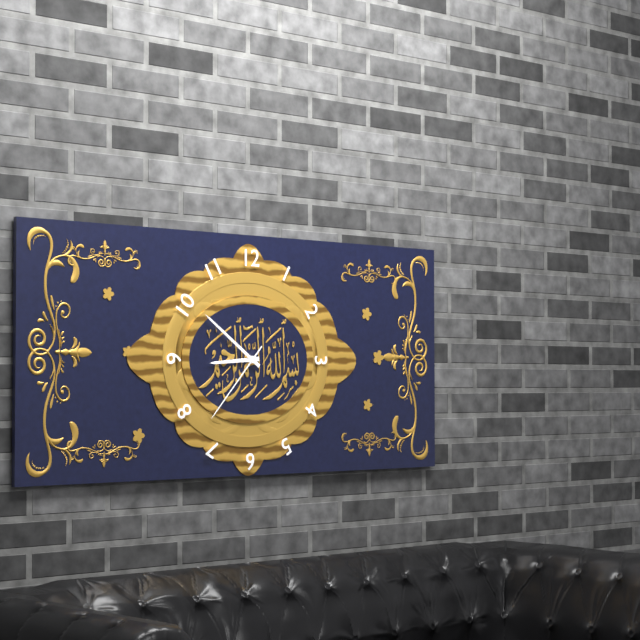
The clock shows 8.51.37
